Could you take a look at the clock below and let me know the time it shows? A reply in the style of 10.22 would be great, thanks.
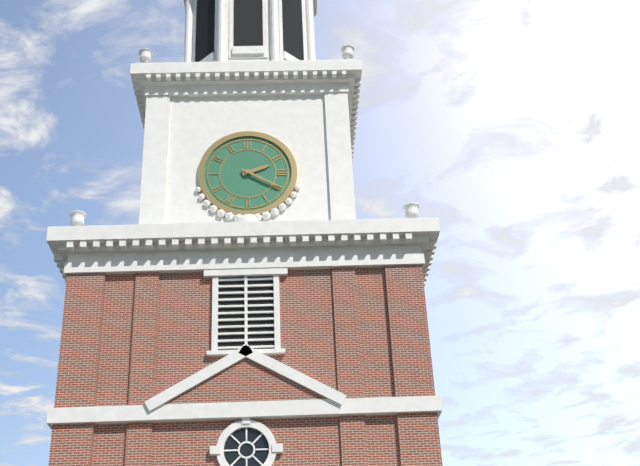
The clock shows 2.20
